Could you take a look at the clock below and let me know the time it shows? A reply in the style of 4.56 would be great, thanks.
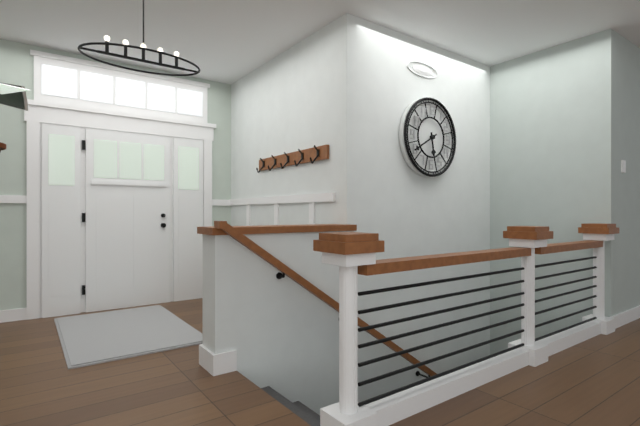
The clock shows 5.40
